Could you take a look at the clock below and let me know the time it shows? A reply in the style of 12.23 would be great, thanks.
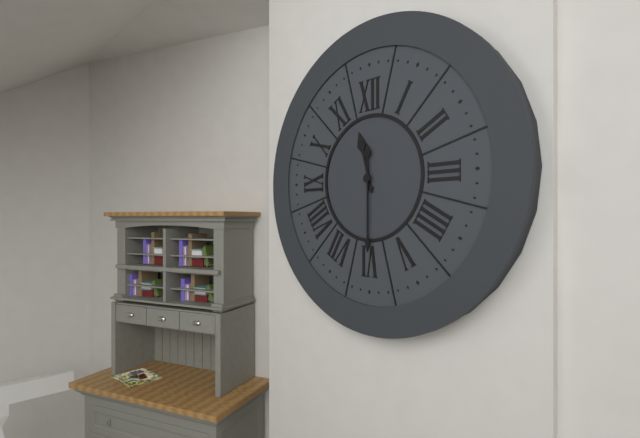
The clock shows 11.30
